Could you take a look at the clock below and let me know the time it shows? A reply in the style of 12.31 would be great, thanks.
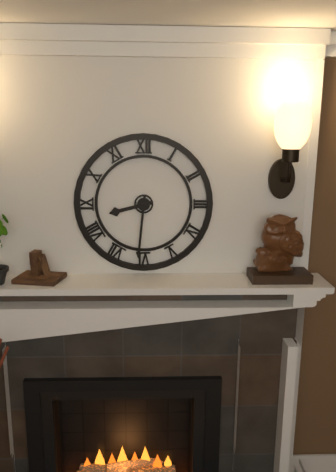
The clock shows 8.31
